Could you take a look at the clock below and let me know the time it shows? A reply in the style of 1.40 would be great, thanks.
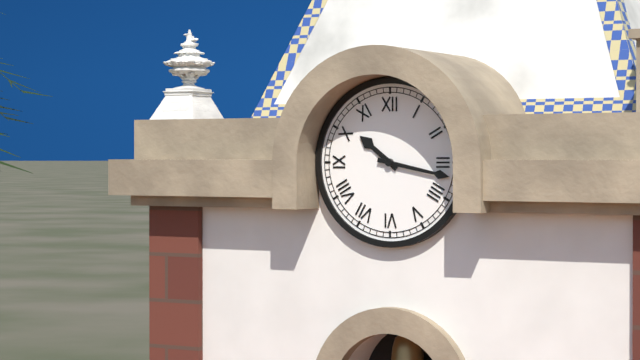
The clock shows 10.17
